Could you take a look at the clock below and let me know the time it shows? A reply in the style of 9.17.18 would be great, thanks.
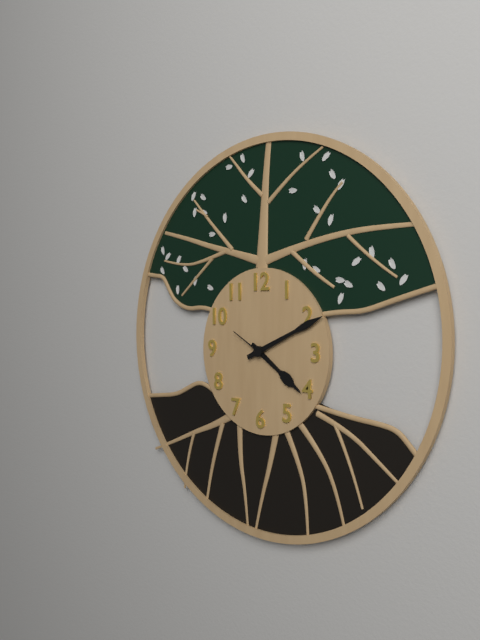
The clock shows 4.11.50
